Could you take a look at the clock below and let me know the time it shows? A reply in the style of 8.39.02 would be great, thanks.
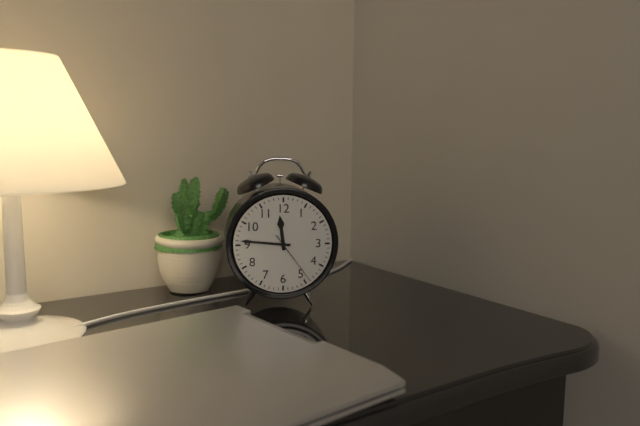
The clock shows 11.46.24
